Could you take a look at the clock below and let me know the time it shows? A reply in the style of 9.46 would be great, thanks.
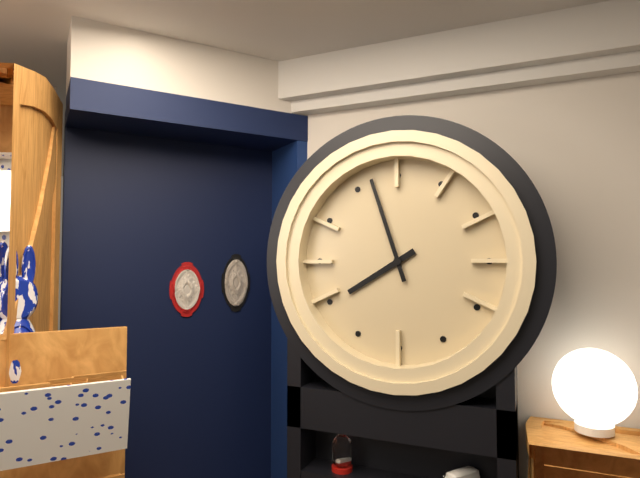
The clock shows 7.57
